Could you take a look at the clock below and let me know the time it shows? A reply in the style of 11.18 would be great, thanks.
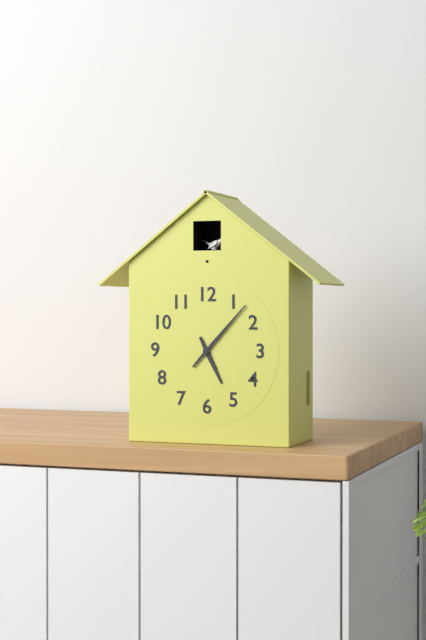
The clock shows 5.07
